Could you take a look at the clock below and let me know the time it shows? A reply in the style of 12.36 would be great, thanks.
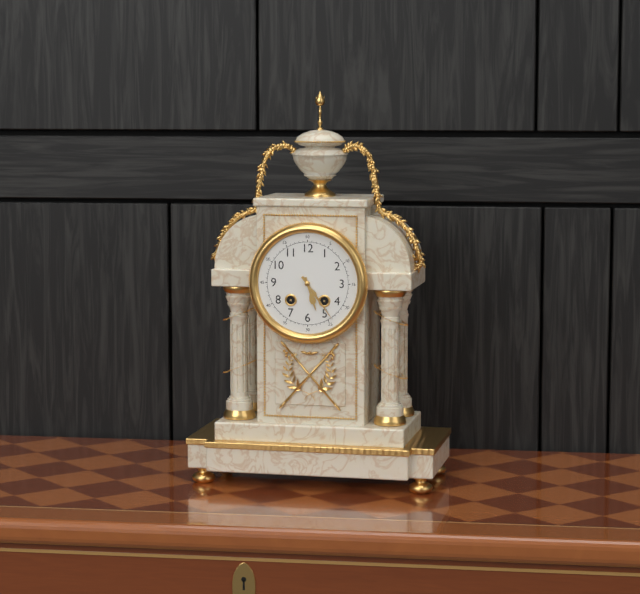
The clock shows 5.24
